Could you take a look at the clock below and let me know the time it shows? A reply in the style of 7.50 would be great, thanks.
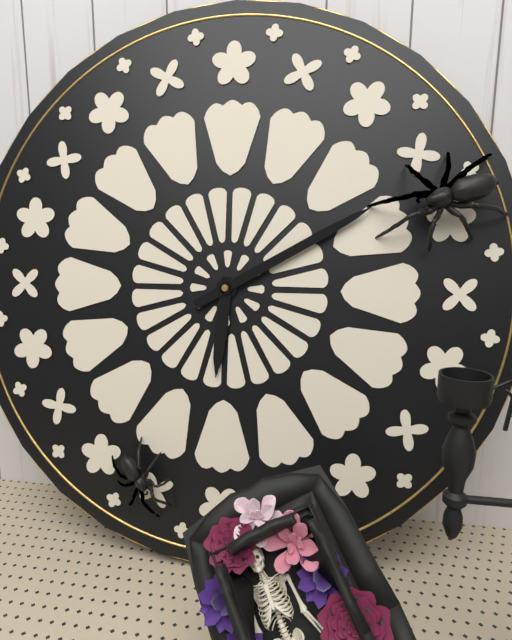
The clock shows 6.10
